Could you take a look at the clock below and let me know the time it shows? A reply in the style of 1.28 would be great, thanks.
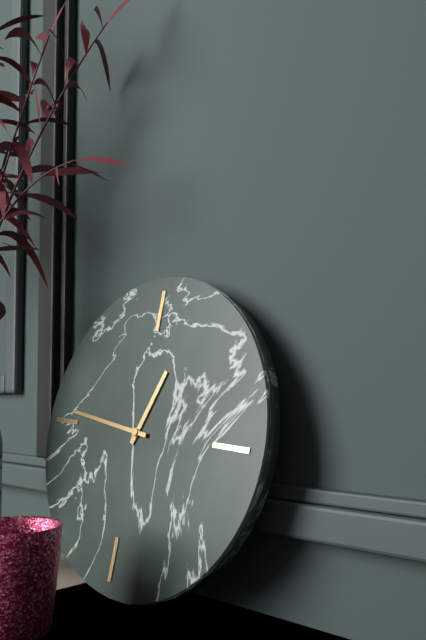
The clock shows 12.46
